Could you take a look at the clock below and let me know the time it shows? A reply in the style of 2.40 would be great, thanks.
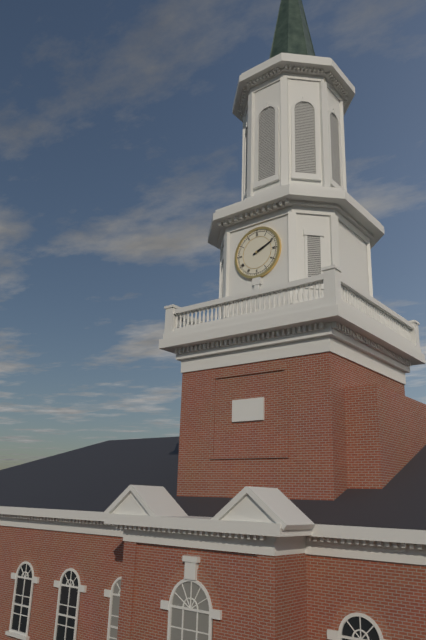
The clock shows 2.11
